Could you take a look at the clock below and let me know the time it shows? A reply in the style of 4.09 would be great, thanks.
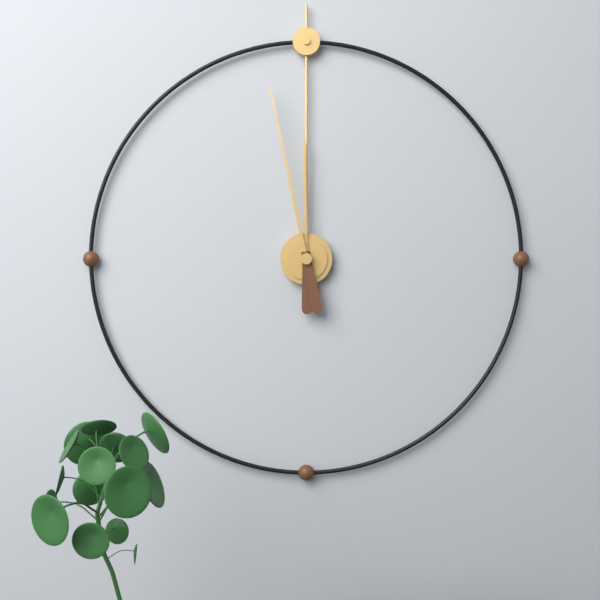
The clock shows 11.58
